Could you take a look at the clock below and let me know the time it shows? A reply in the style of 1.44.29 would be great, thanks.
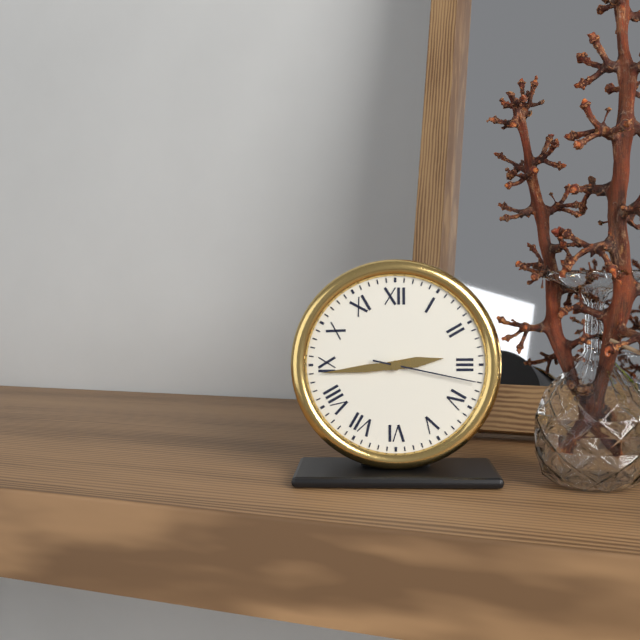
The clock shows 2.44.17
